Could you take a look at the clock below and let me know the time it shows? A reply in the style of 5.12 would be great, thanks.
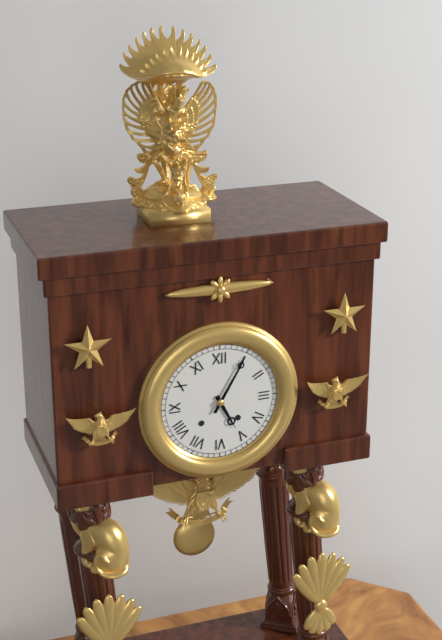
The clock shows 5.05
